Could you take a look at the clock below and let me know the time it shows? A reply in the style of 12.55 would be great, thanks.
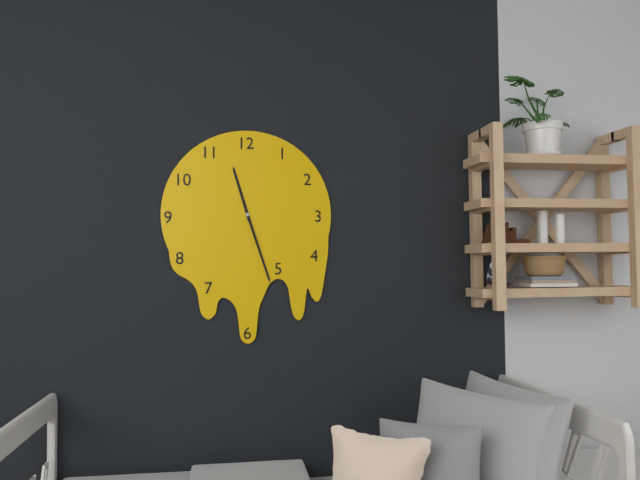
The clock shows 11.27
